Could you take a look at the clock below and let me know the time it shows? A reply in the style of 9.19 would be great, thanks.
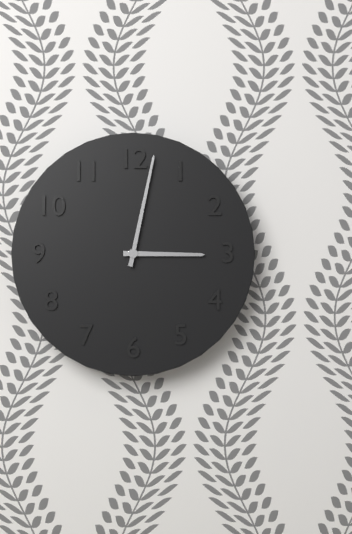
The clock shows 3.02
